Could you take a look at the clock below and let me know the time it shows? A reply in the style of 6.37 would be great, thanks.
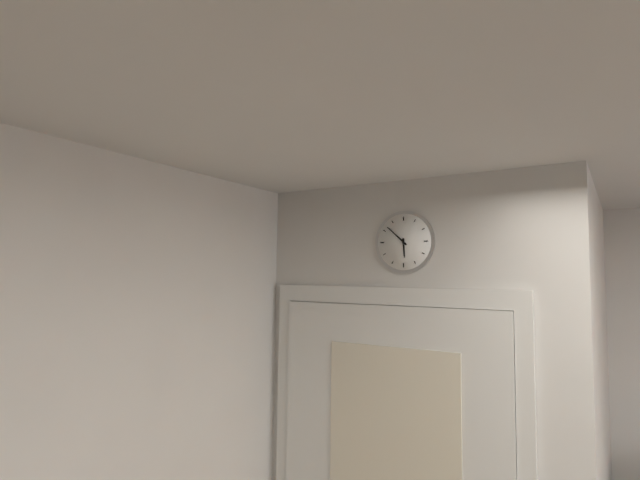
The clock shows 5.52
